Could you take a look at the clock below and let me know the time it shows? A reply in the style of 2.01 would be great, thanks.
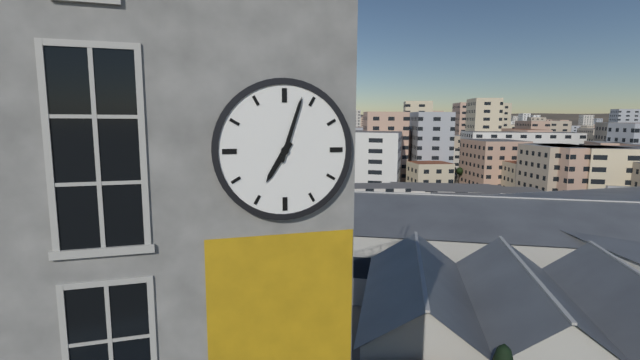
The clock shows 7.03
